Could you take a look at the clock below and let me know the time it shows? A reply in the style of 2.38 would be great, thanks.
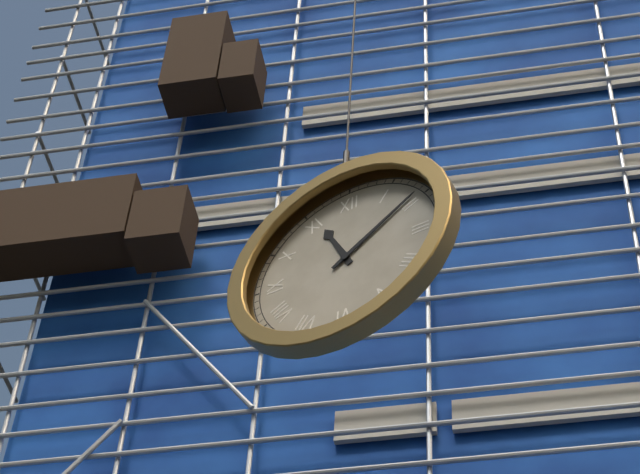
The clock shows 11.09
